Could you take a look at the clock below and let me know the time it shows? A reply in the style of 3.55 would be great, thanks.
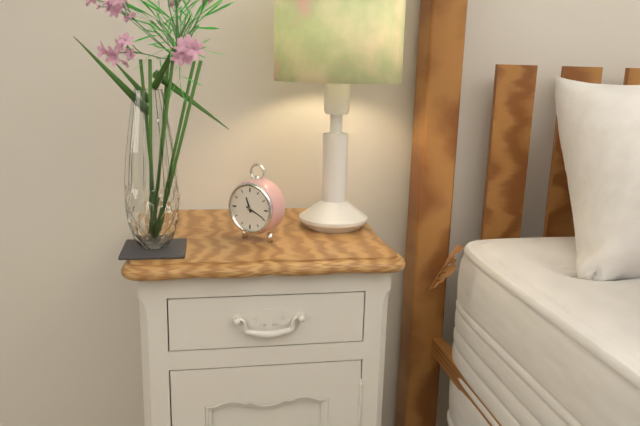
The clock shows 11.19
